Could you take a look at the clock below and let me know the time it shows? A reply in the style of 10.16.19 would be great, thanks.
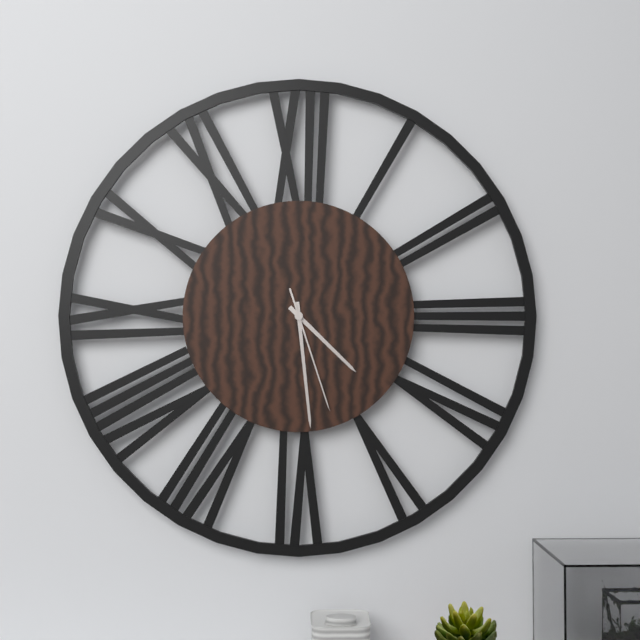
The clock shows 4.29.27
